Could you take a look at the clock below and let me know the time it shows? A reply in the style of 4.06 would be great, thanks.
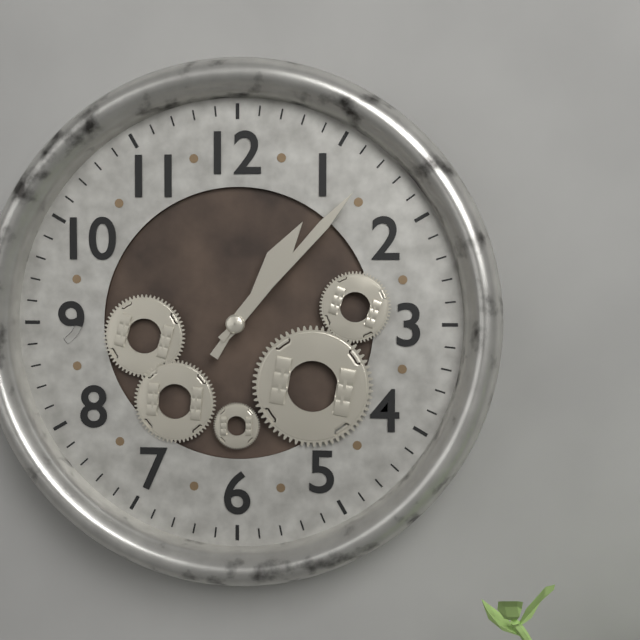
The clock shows 1.07
